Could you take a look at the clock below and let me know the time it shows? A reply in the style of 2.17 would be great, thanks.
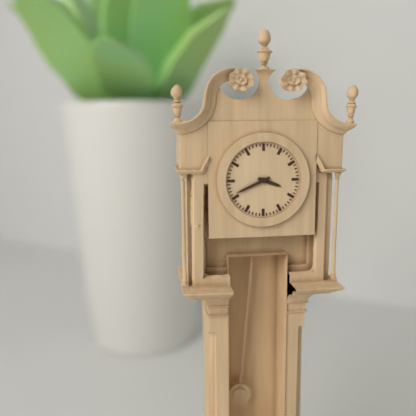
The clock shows 3.41
